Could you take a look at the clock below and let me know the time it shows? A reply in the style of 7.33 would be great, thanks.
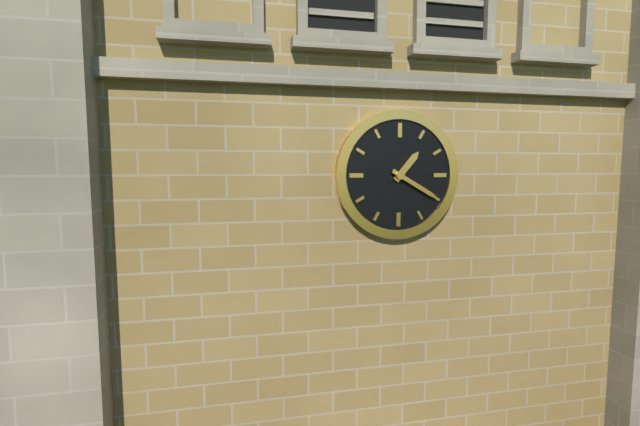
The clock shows 1.20
